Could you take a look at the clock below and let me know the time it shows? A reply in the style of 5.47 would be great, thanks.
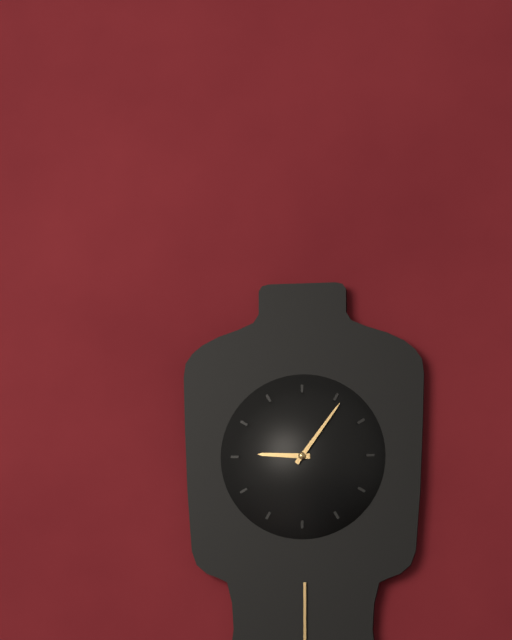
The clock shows 9.06
